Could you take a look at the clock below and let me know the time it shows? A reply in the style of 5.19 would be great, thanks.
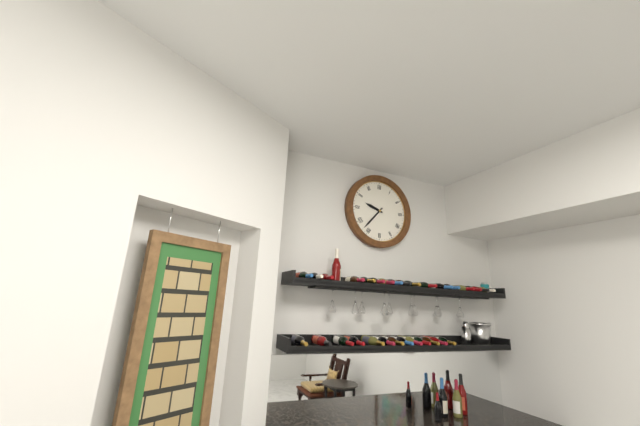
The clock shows 9.37
